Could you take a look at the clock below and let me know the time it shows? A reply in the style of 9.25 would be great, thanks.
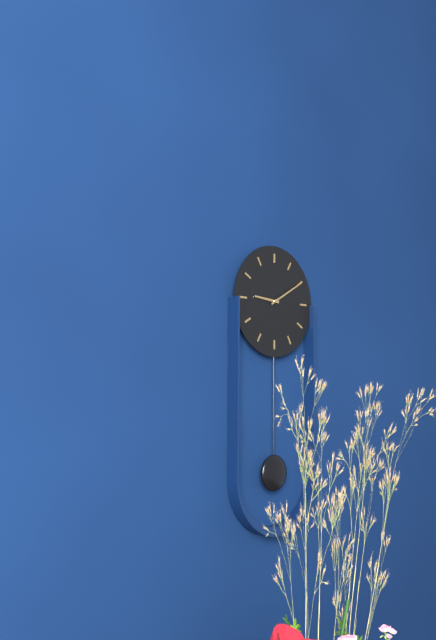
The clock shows 9.10
